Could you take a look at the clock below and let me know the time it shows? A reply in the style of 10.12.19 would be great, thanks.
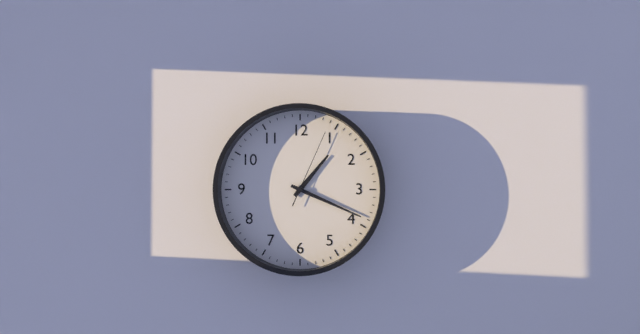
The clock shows 1.19.04
